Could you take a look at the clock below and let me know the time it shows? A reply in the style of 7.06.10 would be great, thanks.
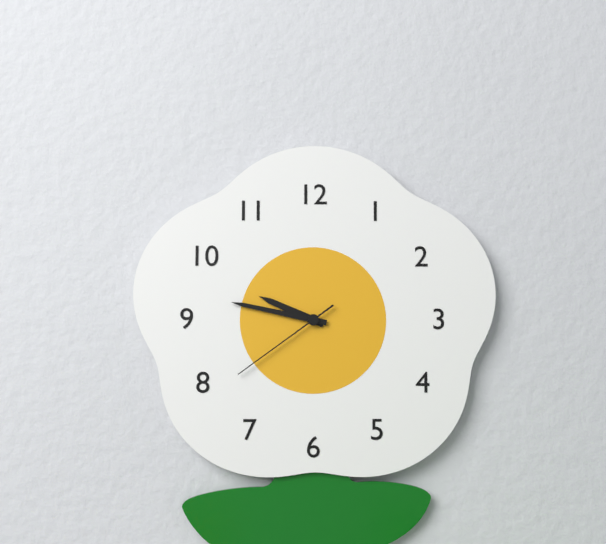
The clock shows 9.47.39
